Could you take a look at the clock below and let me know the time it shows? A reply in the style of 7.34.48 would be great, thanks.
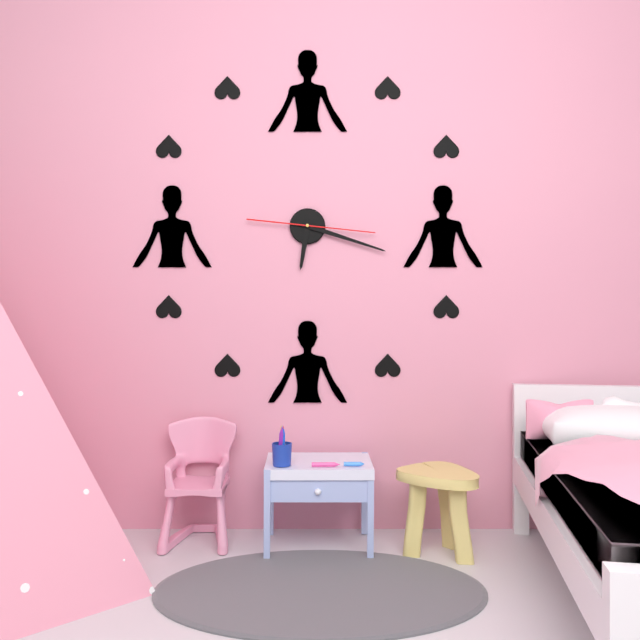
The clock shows 6.18.16
